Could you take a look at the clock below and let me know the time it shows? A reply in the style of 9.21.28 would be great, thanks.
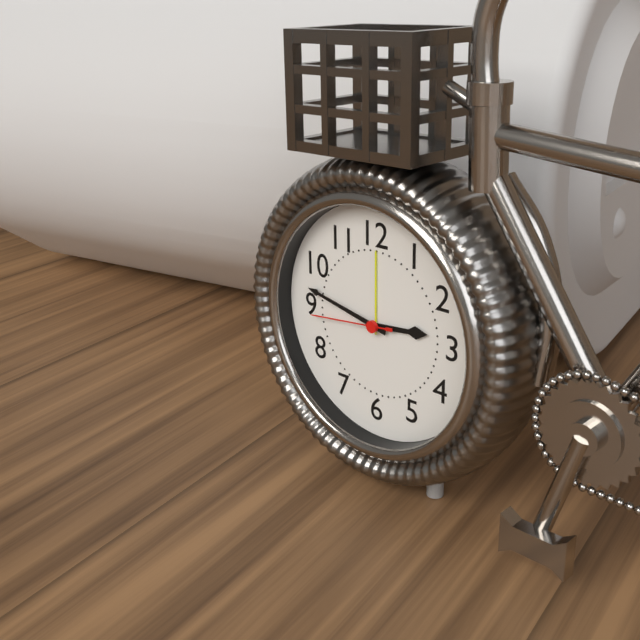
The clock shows 2.47.44
